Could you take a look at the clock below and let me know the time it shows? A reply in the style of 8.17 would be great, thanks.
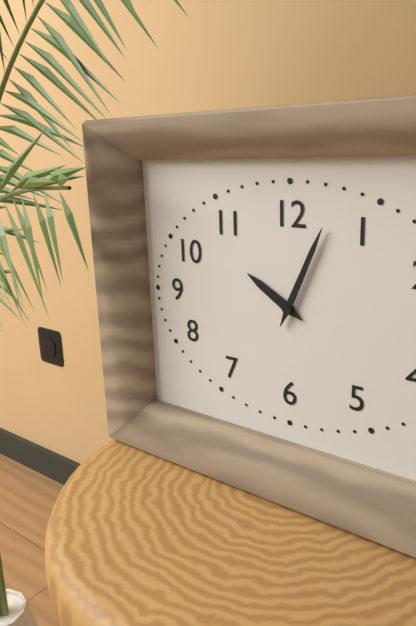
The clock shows 10.04
